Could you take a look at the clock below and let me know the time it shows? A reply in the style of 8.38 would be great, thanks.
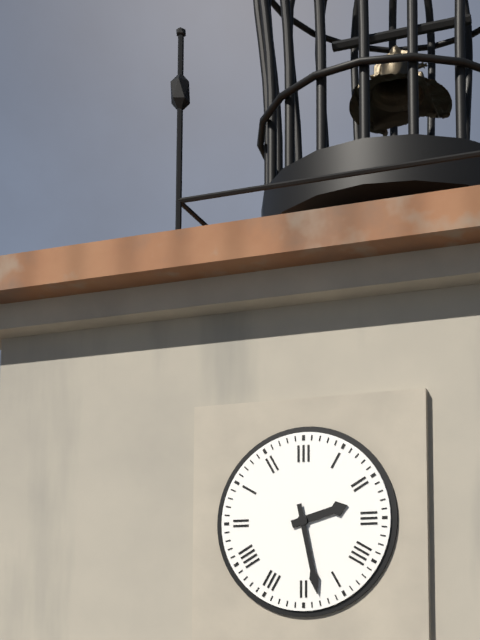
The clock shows 2.28
